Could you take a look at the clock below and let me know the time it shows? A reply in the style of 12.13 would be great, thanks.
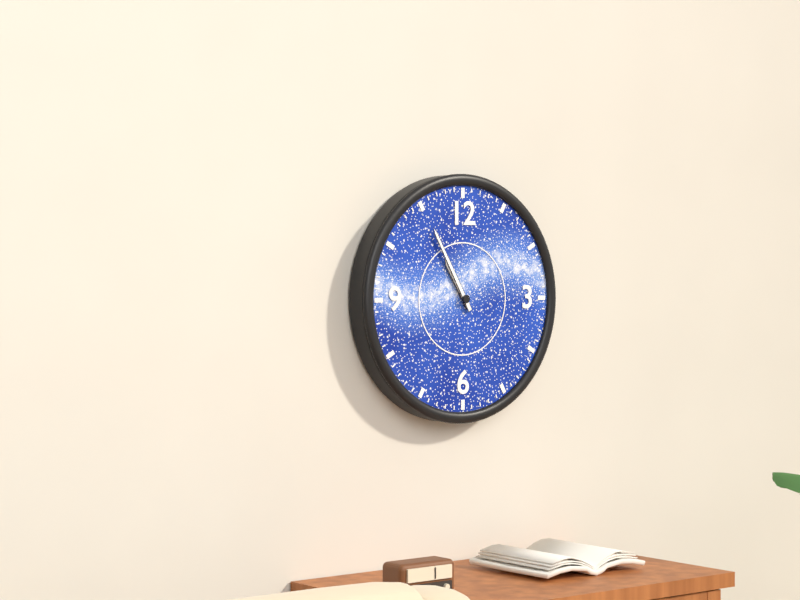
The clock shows 10.55
